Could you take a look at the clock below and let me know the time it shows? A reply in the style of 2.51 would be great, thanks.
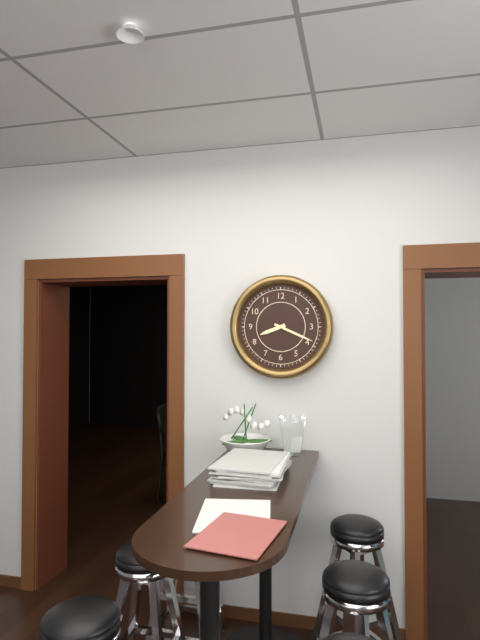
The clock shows 8.19
